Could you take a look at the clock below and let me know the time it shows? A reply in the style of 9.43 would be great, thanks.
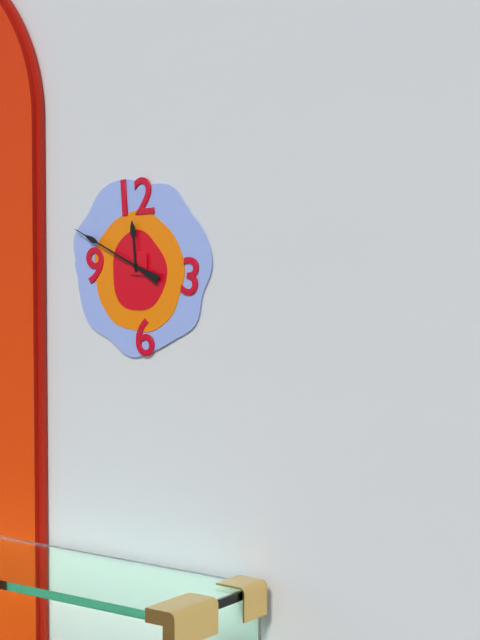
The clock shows 11.49
